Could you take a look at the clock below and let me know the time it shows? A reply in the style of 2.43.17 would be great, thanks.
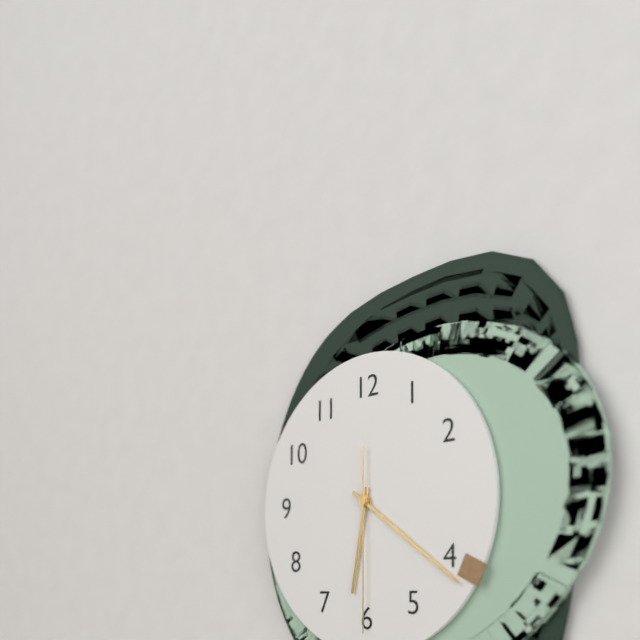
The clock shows 6.21.30
